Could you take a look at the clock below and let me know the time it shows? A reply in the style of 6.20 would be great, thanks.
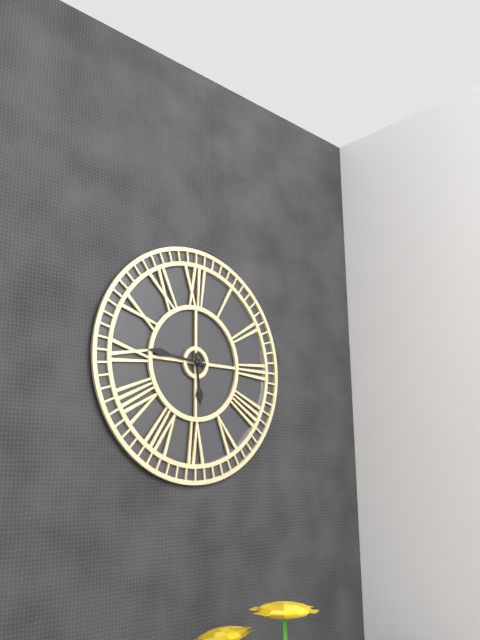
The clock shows 5.46
